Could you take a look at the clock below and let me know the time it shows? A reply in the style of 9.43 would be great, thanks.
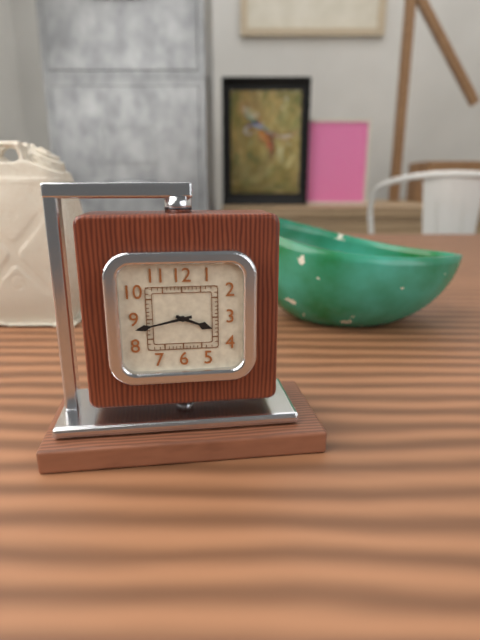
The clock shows 3.43
